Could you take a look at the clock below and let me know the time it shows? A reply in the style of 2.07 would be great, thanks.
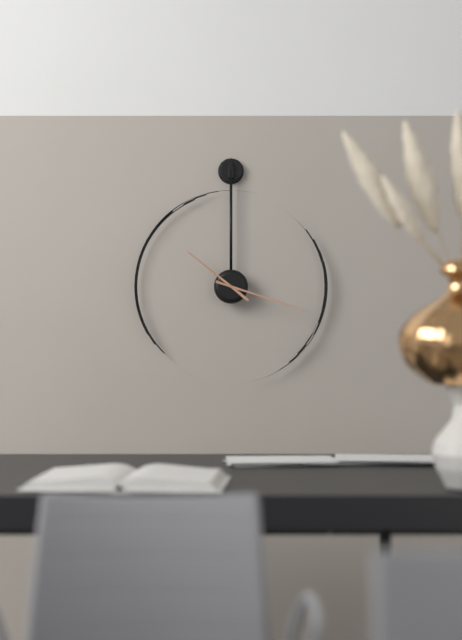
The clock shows 10.18
